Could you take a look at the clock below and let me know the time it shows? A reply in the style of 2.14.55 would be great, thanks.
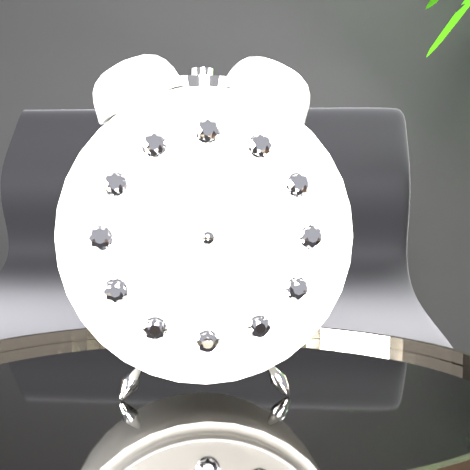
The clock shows 2.26.01
